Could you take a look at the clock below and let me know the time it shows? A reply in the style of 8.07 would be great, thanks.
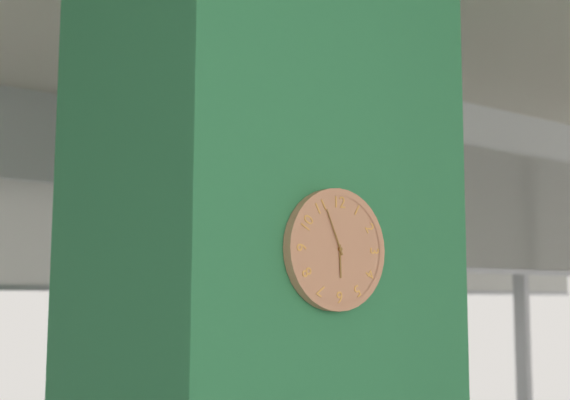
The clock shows 5.56
